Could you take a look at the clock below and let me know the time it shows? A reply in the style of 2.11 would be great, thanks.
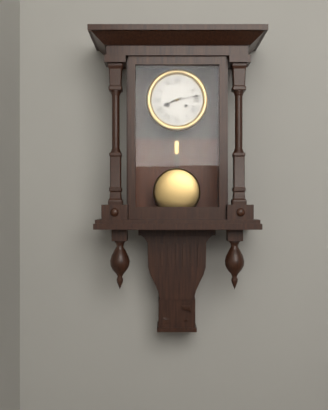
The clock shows 8.13
